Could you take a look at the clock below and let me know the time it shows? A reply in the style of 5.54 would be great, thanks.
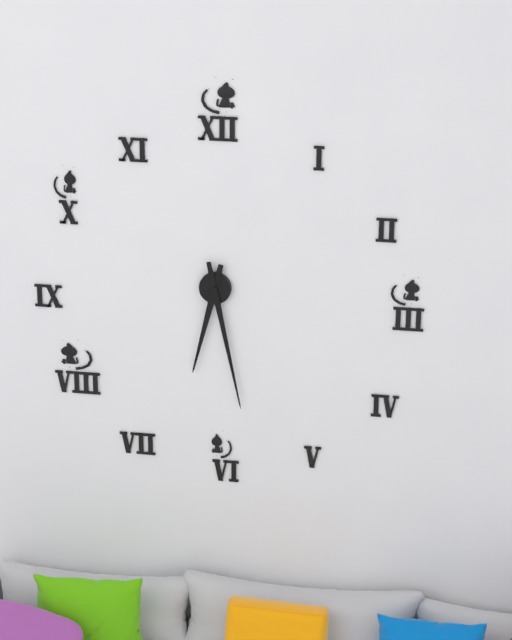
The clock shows 6.28
